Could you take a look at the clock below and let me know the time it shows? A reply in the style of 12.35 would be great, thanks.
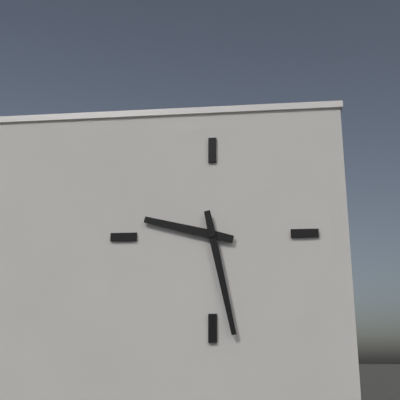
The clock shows 9.28
